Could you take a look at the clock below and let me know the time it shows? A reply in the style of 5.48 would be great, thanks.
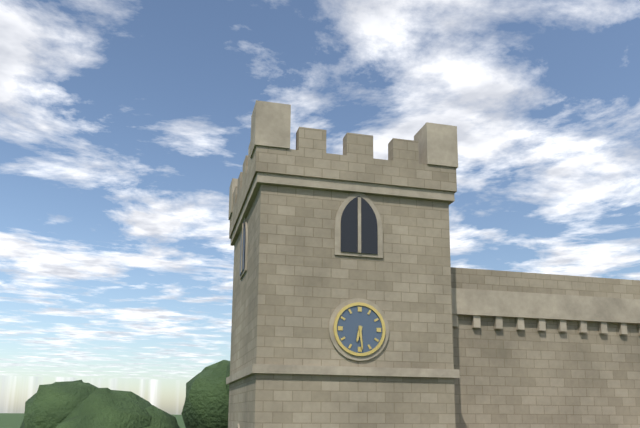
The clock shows 6.29
